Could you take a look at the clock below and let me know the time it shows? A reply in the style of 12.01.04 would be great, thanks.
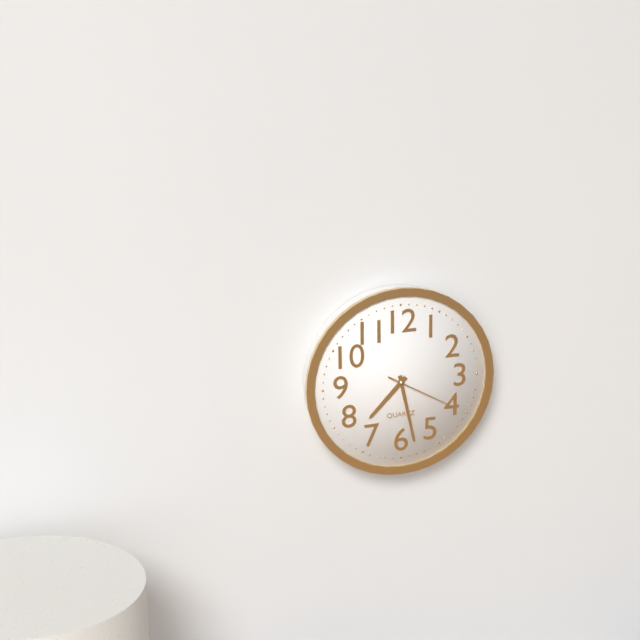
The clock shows 7.28.20
